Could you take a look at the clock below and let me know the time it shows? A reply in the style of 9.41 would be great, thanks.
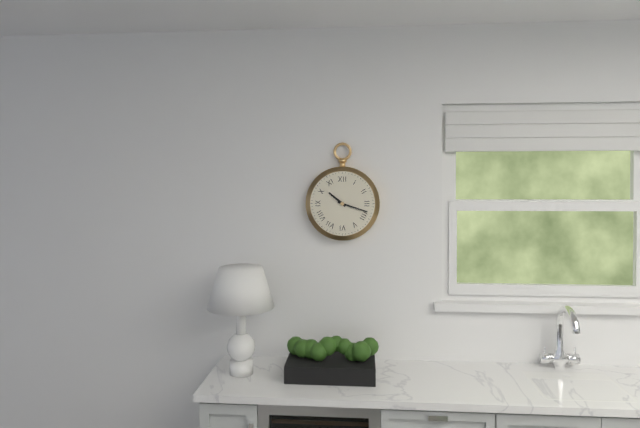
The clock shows 10.18
